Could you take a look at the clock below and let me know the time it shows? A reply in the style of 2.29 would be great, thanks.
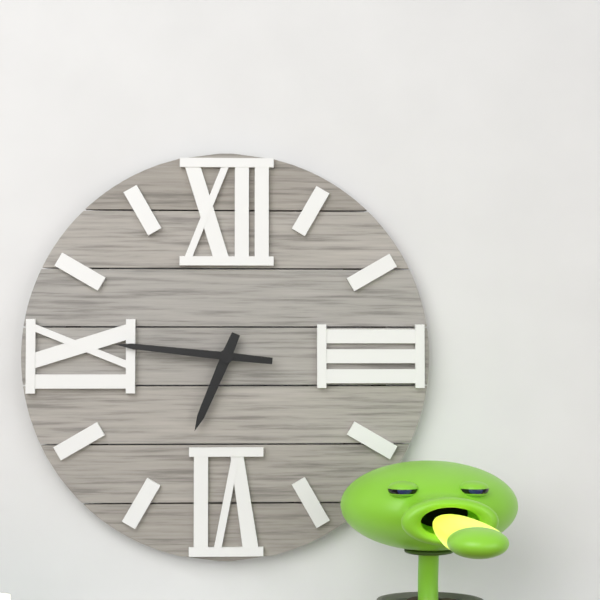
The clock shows 6.46
